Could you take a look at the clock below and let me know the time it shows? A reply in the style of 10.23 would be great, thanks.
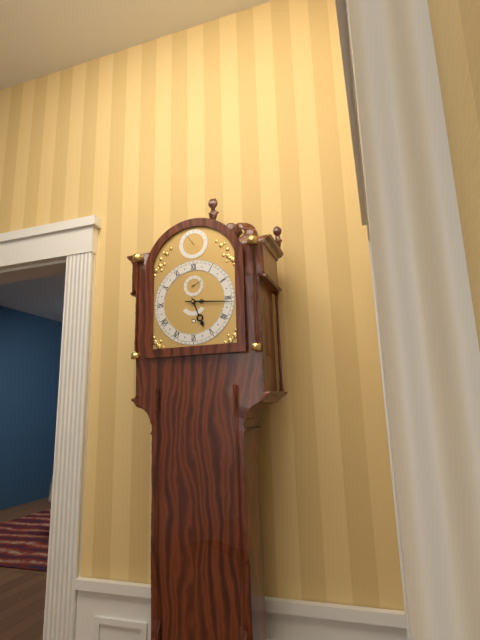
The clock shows 5.16
